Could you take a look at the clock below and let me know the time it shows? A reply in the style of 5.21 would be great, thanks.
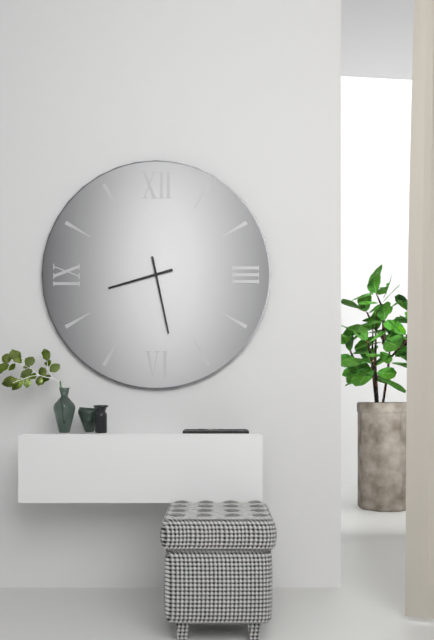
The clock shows 8.28
